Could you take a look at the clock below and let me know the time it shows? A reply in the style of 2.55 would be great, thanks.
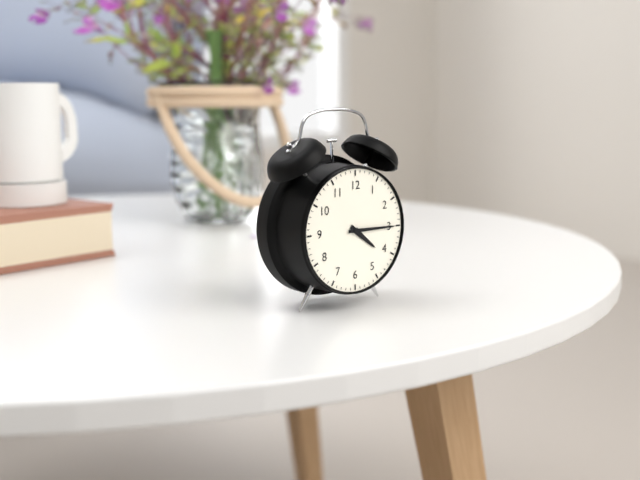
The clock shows 4.15
